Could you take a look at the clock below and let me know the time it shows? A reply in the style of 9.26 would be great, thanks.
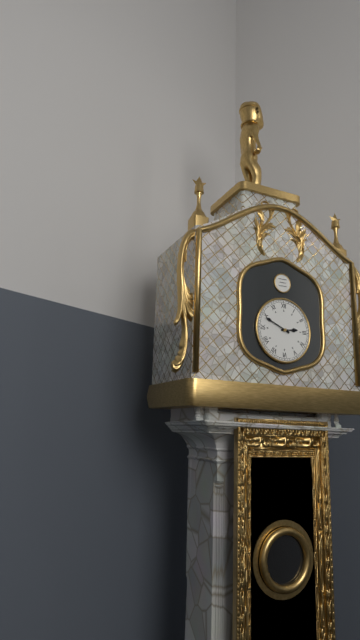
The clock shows 2.49
